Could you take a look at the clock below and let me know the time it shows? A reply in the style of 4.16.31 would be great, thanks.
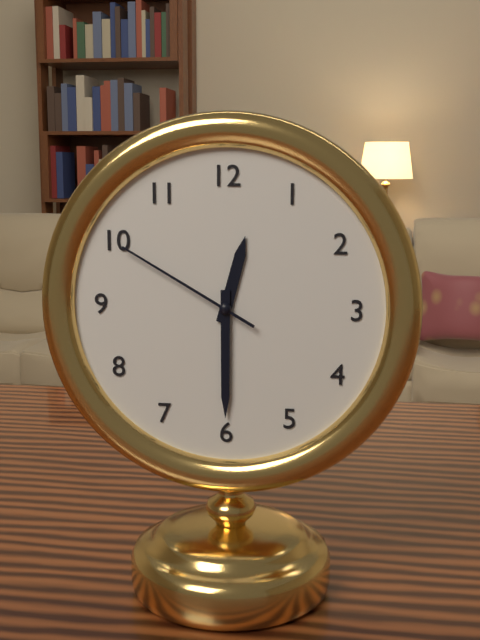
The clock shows 12.30.50
